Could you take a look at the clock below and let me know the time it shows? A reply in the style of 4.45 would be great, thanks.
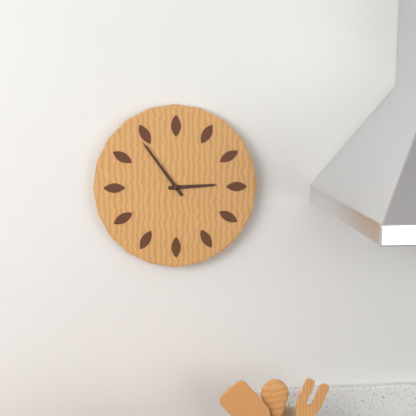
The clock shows 2.54
